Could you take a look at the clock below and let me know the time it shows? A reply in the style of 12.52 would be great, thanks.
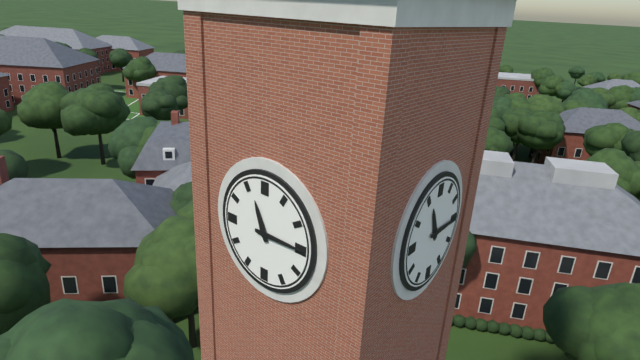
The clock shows 11.15
